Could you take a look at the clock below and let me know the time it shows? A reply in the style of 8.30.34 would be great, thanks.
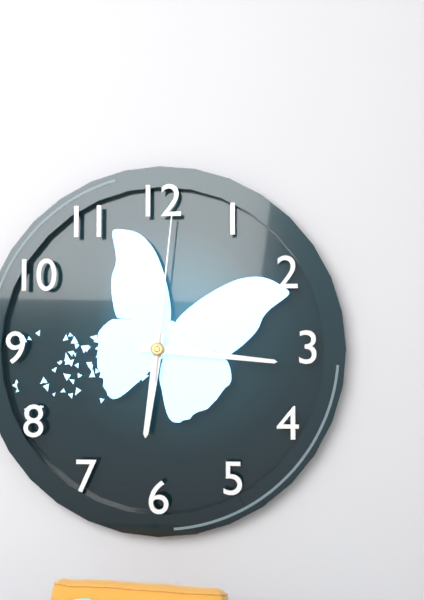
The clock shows 6.16.01
